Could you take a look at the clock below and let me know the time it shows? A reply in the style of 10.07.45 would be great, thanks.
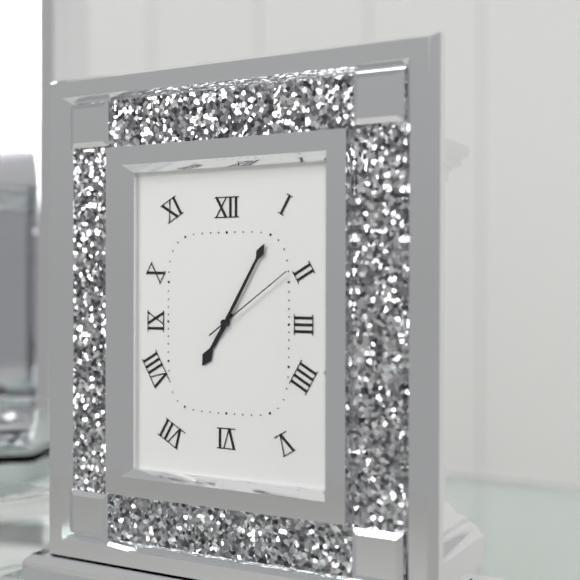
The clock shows 7.05.09
